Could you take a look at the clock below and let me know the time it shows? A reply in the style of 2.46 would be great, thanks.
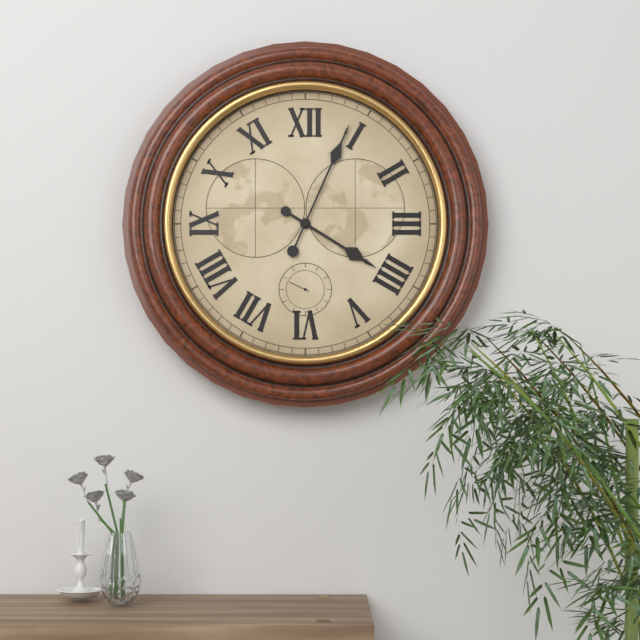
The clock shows 4.04
